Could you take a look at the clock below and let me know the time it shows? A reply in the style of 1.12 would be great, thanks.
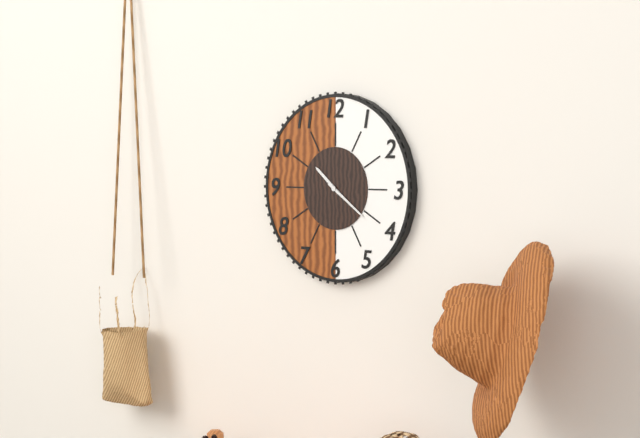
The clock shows 10.21
